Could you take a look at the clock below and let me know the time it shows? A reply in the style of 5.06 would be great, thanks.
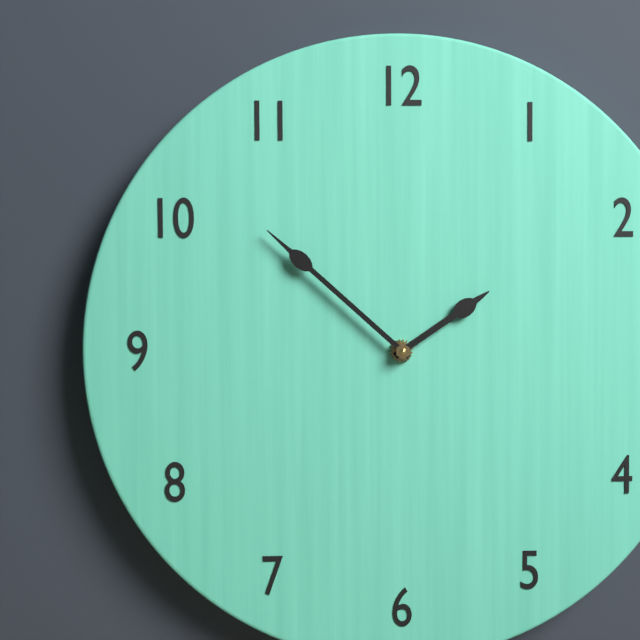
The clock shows 1.52
